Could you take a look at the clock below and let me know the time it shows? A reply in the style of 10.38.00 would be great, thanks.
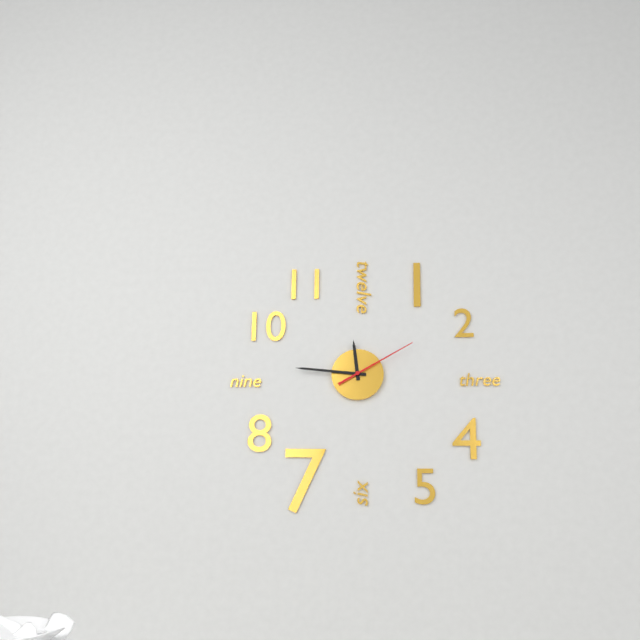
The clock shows 11.46.10
